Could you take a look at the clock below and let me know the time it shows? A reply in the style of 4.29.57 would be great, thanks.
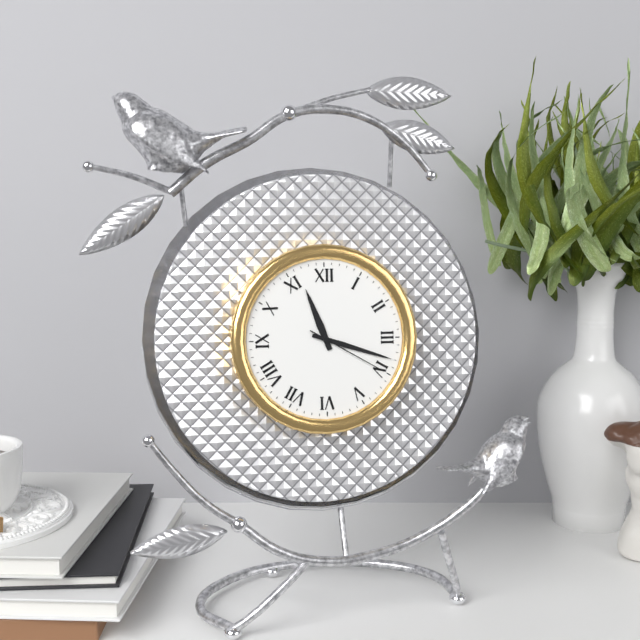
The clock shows 11.18.20
